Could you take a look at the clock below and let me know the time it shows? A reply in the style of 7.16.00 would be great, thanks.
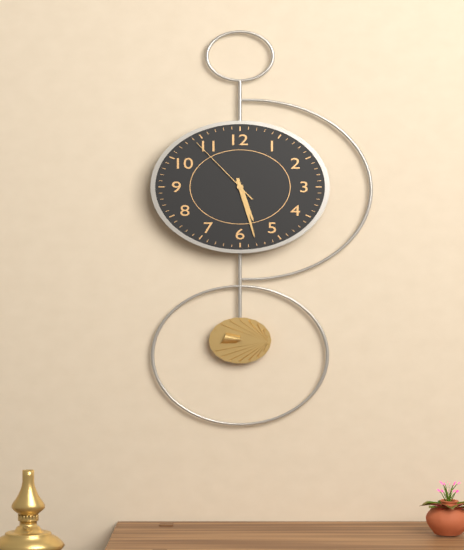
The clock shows 5.28.54
